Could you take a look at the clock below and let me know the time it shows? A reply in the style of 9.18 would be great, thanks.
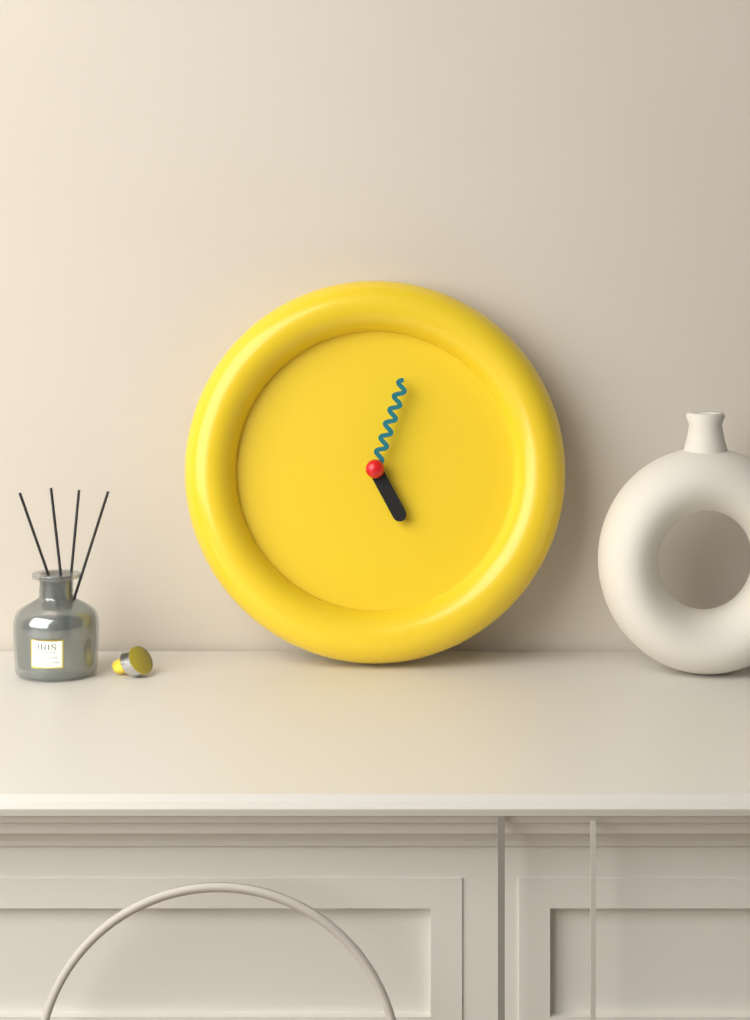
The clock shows 5.03
